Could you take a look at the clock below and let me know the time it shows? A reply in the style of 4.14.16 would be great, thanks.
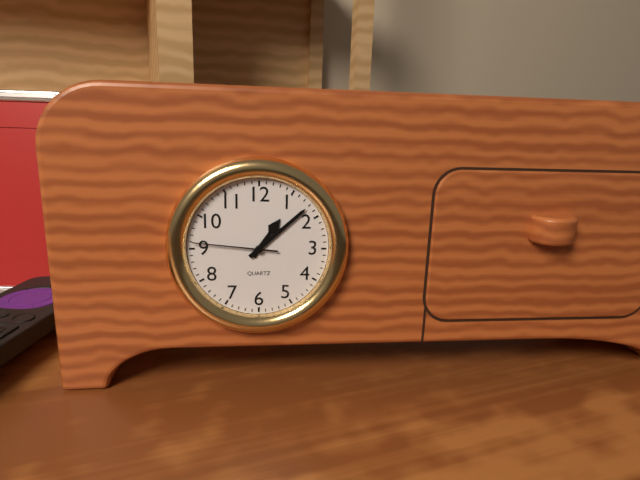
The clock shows 1.08.46
